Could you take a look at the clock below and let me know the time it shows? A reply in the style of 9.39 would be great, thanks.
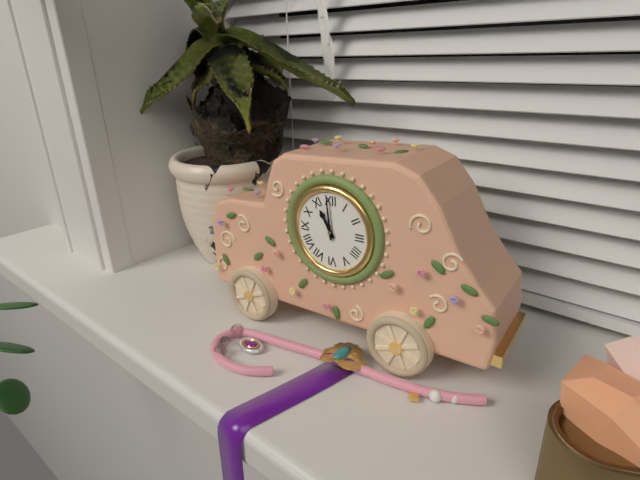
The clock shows 10.59
